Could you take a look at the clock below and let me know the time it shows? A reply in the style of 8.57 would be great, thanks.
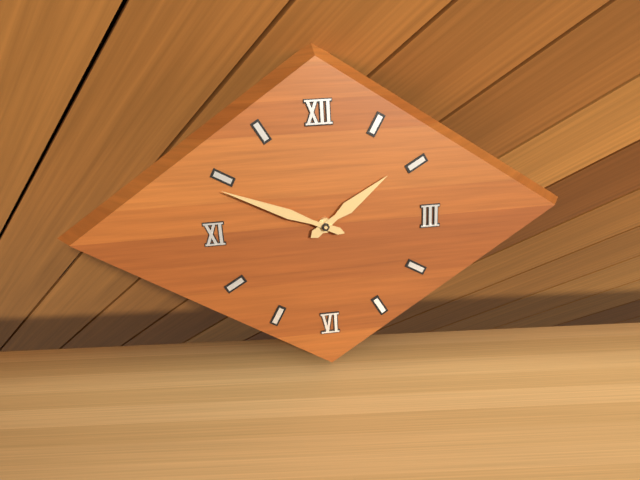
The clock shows 1.49
